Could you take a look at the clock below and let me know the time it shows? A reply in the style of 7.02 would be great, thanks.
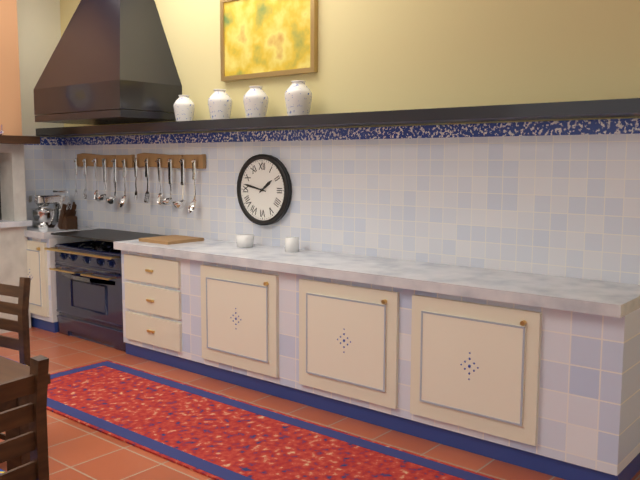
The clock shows 1.47
